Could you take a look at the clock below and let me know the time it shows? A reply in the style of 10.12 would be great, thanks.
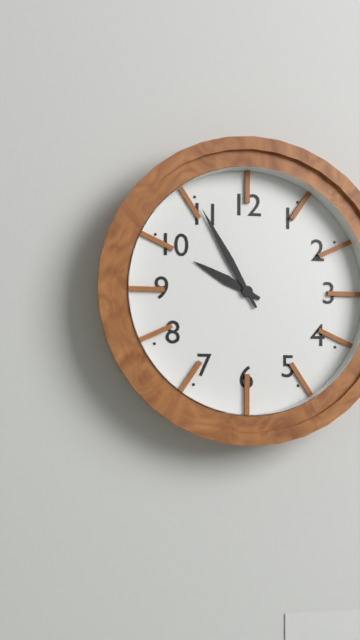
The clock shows 9.55
